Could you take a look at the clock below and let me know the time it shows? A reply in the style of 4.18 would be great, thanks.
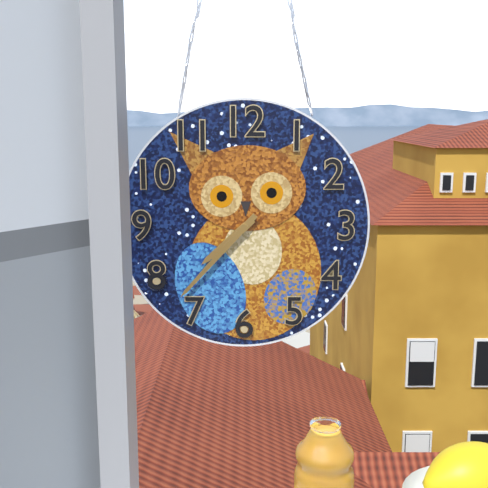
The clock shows 7.37
